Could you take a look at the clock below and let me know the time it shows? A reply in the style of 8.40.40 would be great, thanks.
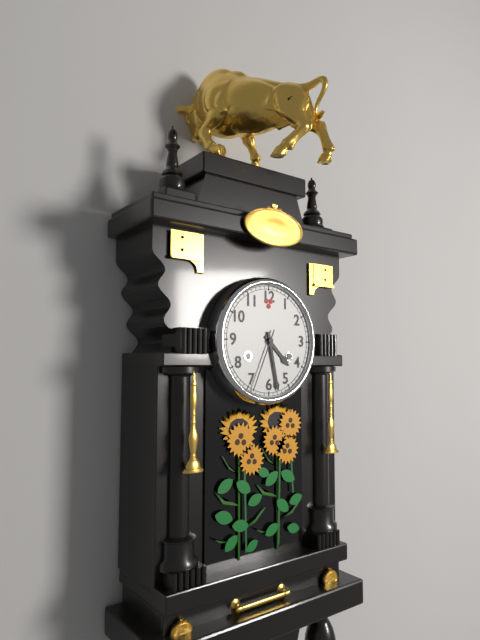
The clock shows 4.28.34
